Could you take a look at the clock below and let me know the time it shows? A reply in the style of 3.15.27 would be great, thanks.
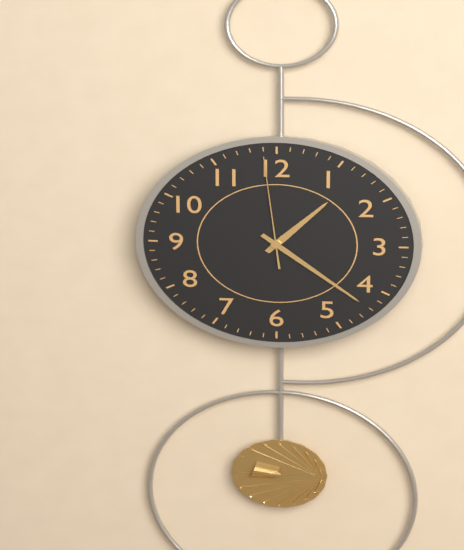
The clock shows 1.22.59
